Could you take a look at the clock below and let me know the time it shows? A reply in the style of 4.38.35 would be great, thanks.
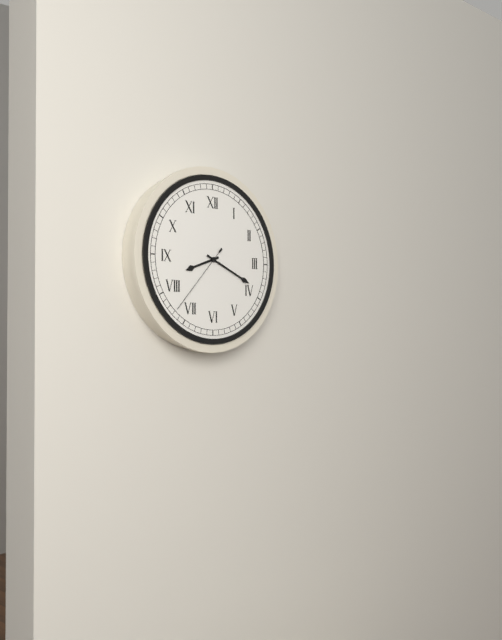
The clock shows 8.19.37
